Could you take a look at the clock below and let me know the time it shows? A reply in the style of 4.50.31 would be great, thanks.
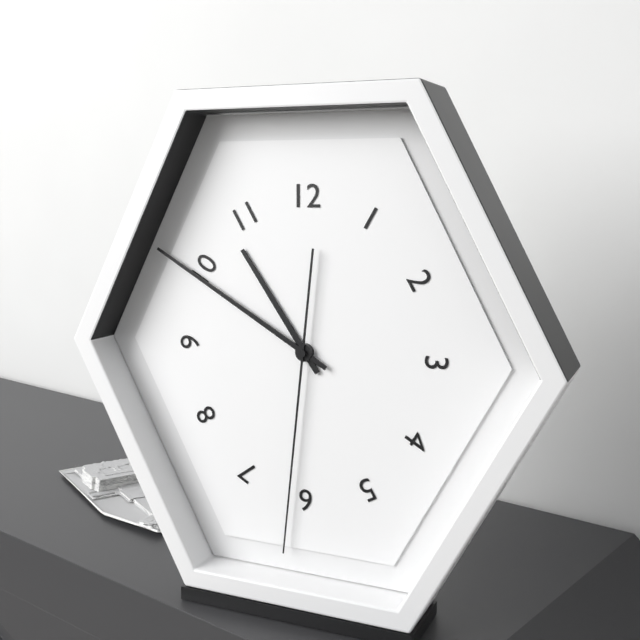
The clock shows 10.50.31
